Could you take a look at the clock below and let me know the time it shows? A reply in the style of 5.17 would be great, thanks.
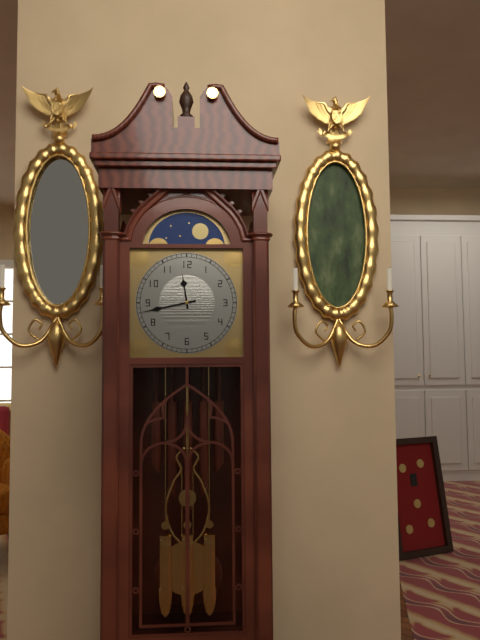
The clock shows 11.43
